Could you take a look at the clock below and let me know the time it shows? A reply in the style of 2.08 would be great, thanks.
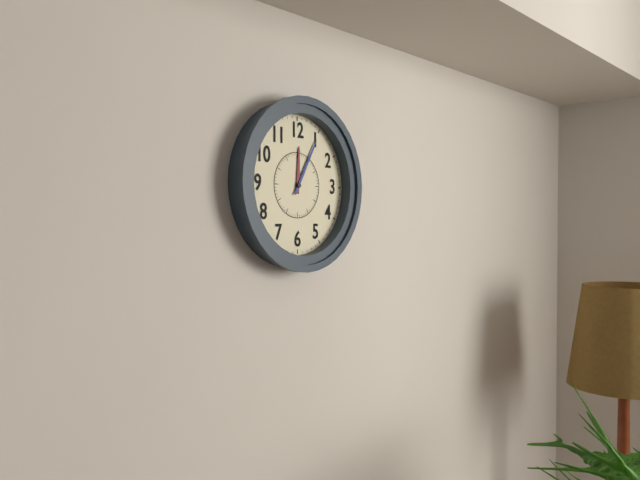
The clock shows 12.05
